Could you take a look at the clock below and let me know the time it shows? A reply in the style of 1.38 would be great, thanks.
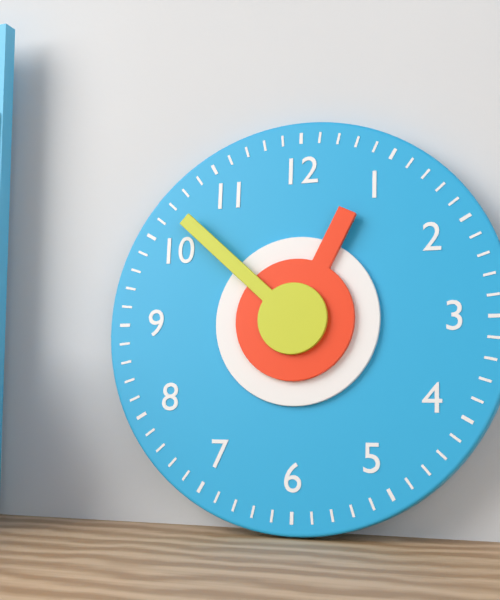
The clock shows 12.52
